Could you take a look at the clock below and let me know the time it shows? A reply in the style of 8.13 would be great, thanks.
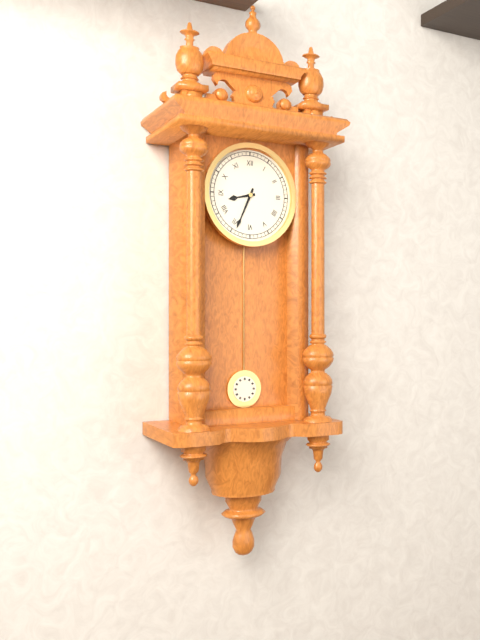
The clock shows 8.34
